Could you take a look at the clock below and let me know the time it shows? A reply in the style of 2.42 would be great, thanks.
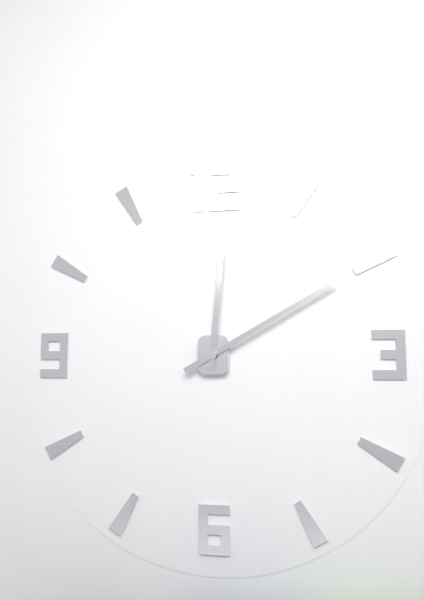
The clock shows 12.10
